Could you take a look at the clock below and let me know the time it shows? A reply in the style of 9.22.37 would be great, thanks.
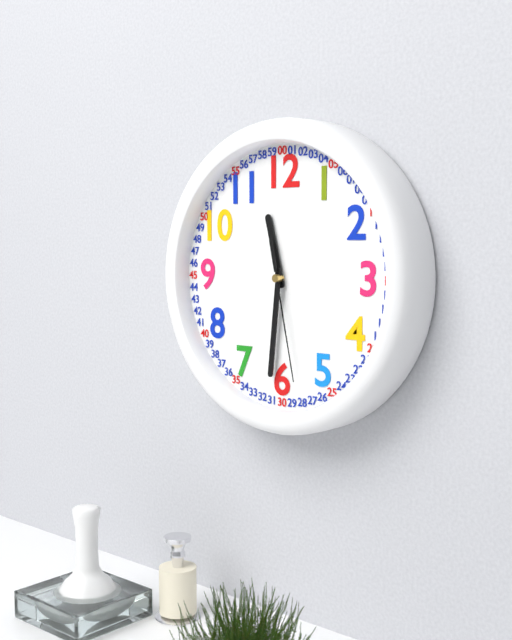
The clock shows 11.31.28
